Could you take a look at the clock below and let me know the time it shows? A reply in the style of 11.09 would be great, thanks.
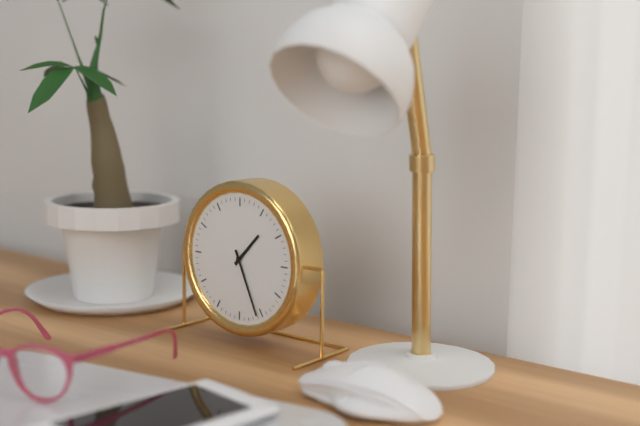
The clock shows 1.26
